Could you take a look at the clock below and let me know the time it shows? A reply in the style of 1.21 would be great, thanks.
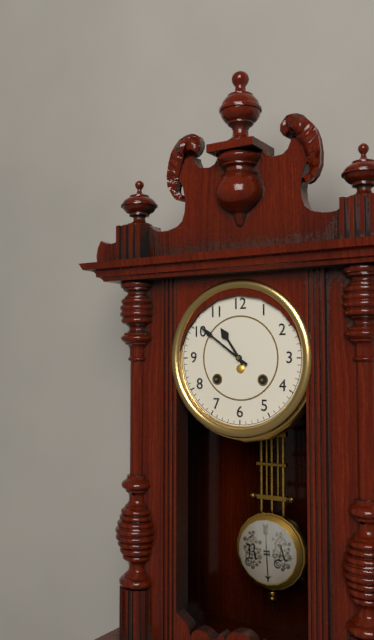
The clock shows 10.51
